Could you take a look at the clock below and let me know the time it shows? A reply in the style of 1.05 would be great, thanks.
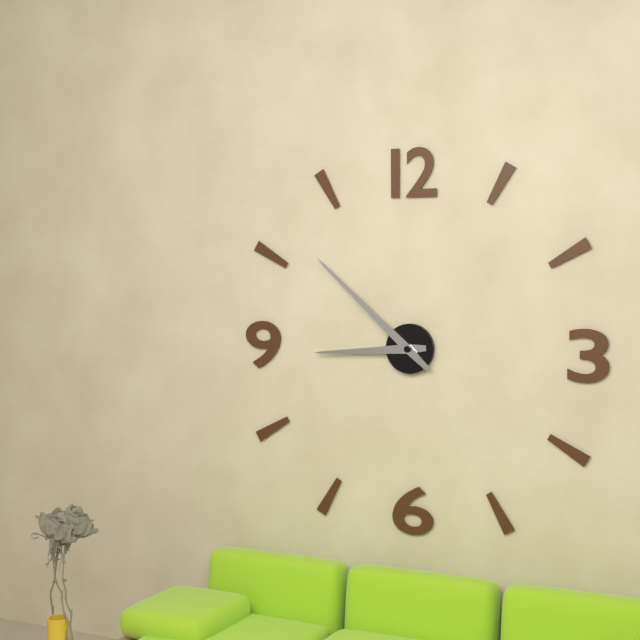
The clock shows 8.52
